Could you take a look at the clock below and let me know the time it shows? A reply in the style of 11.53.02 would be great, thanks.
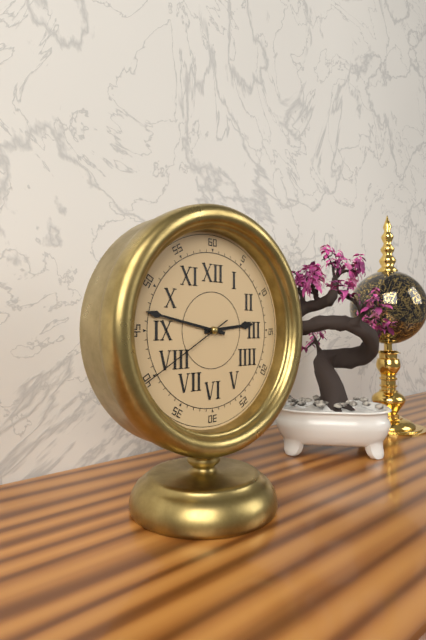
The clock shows 2.47.40
